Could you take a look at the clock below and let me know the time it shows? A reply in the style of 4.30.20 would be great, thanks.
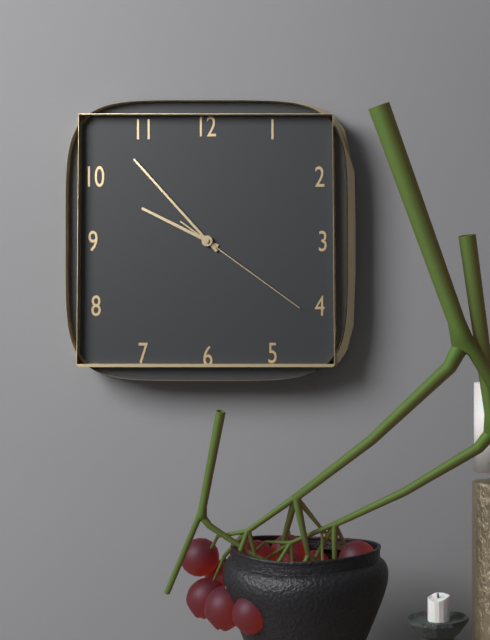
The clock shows 9.53.21
